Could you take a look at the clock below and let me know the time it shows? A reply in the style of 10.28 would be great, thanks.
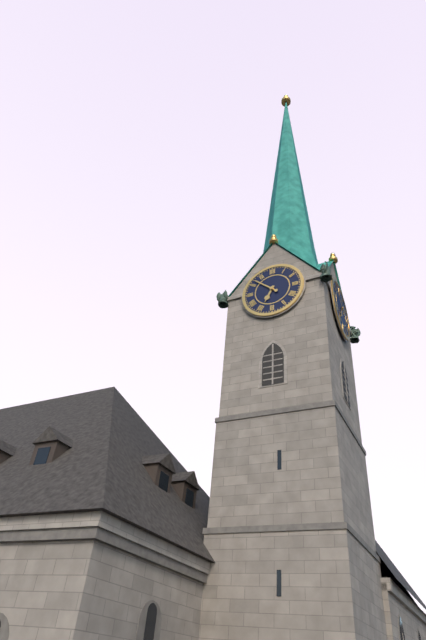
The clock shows 6.52
